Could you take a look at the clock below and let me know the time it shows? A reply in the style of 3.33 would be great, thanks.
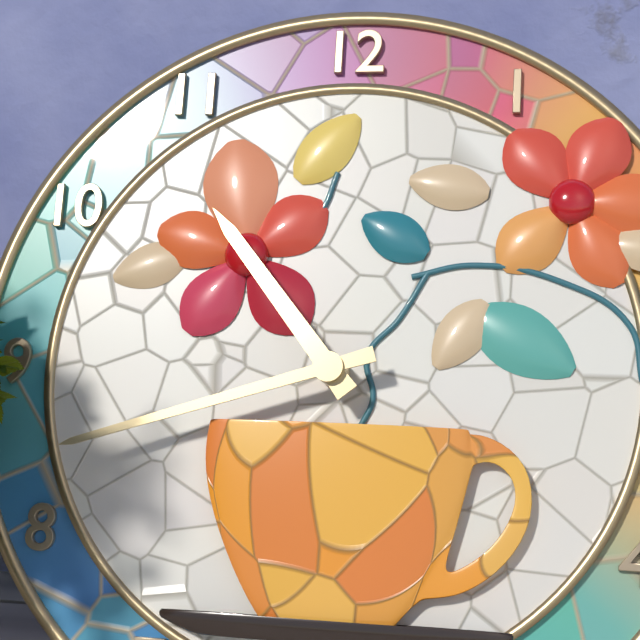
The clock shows 10.42
